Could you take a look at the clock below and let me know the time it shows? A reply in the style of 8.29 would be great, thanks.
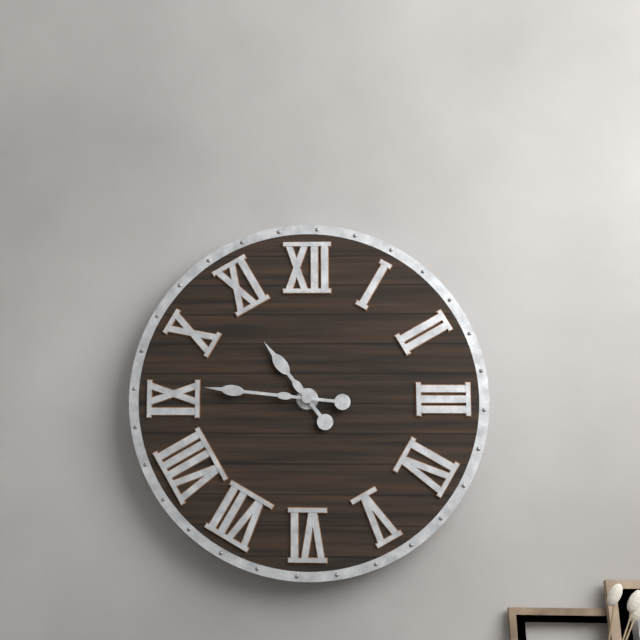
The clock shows 10.46
